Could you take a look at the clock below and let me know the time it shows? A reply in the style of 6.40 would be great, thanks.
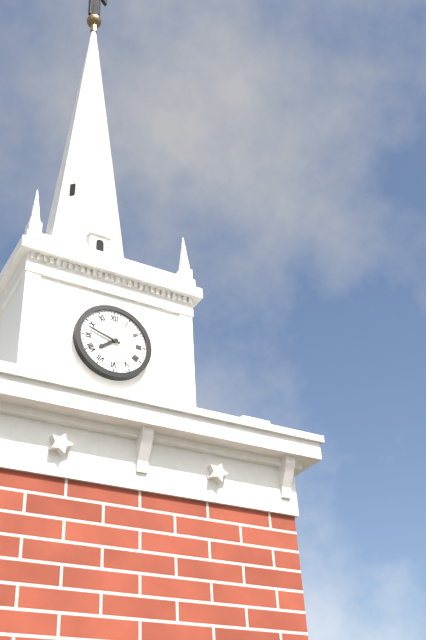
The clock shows 7.48
